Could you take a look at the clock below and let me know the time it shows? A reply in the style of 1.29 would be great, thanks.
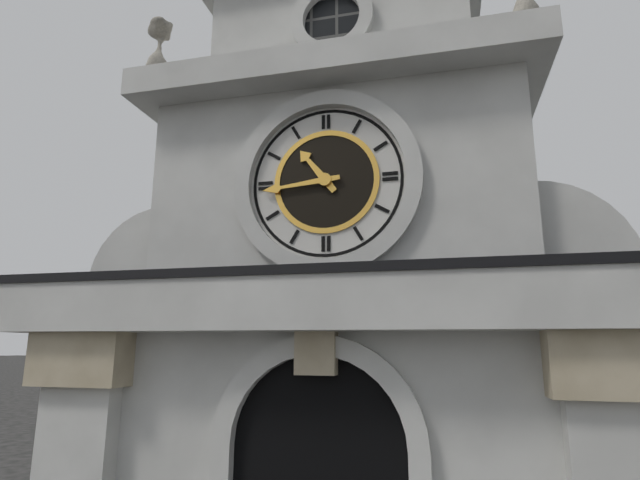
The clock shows 10.44
